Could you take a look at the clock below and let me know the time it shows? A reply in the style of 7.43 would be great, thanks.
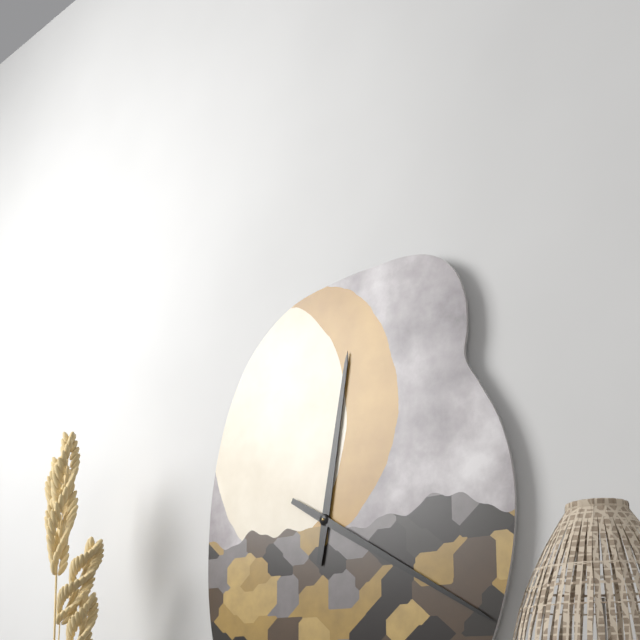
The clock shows 12.20
